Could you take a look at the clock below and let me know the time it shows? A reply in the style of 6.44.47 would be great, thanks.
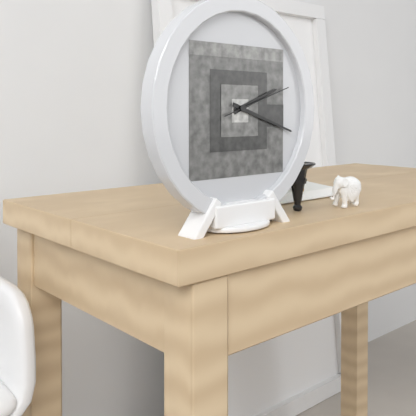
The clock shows 2.18.12
